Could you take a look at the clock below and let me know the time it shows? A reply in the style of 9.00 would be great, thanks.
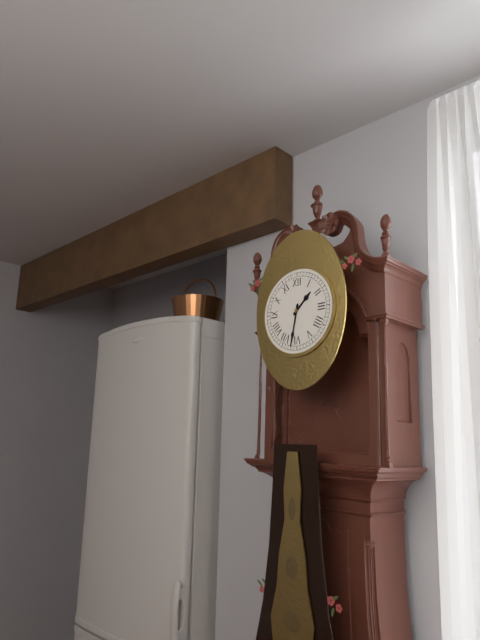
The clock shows 1.32
